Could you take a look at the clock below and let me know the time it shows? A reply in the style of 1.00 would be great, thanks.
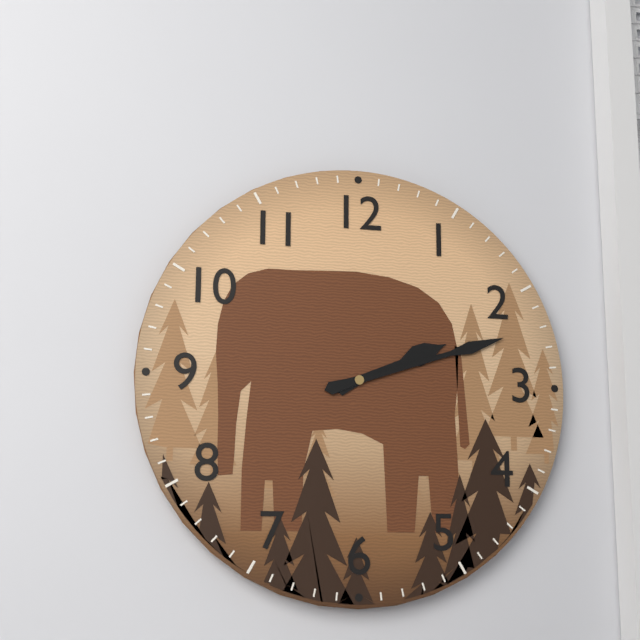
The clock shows 2.12
